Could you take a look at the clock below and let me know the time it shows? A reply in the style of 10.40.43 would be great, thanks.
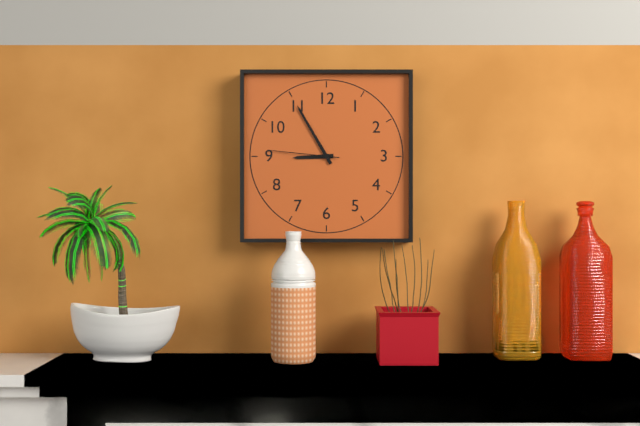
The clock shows 8.55.46
